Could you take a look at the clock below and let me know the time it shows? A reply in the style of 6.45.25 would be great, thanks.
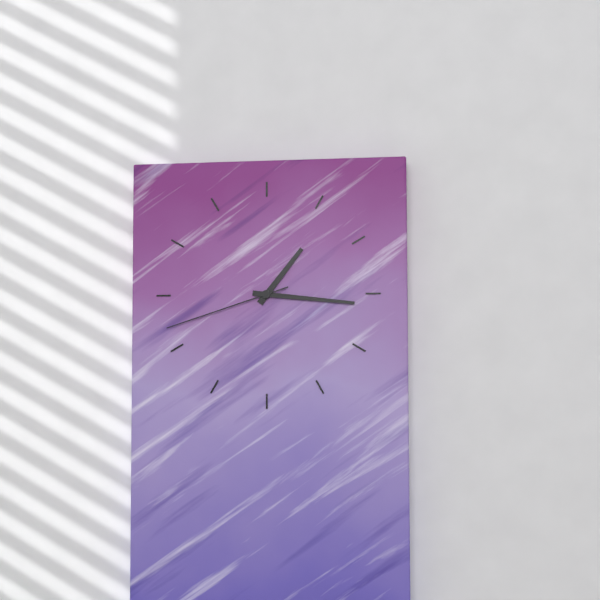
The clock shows 1.16.42
